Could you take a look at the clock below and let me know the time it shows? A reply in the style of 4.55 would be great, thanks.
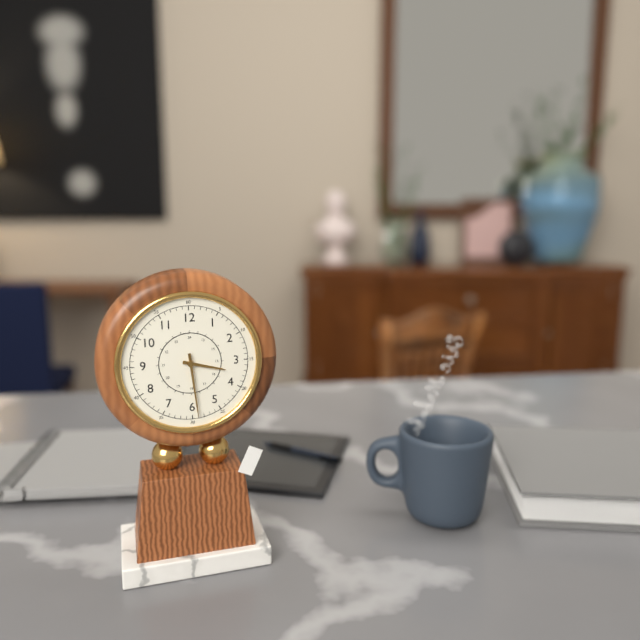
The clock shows 3.29
